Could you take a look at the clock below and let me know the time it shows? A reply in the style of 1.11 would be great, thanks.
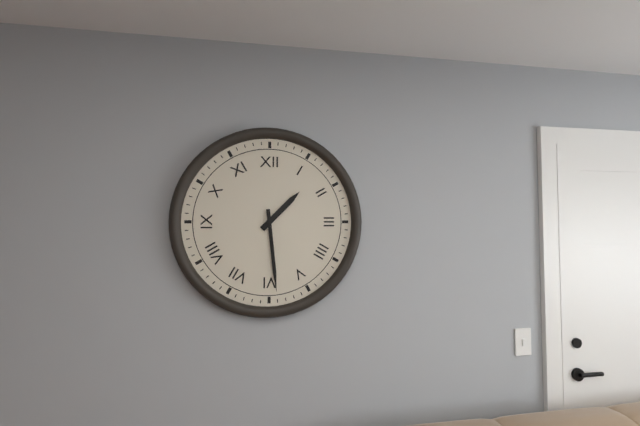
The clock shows 1.29
